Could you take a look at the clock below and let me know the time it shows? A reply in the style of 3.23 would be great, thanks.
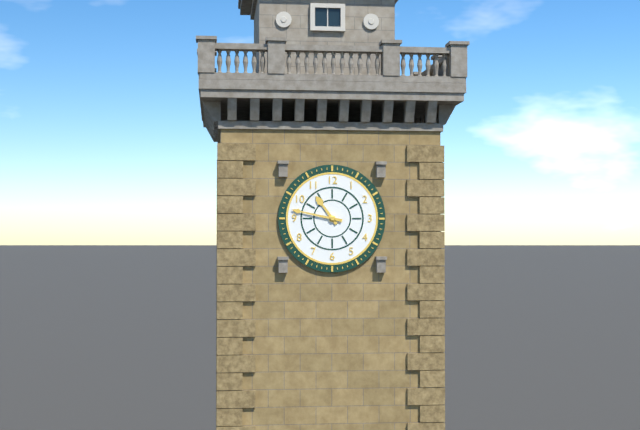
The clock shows 10.47
